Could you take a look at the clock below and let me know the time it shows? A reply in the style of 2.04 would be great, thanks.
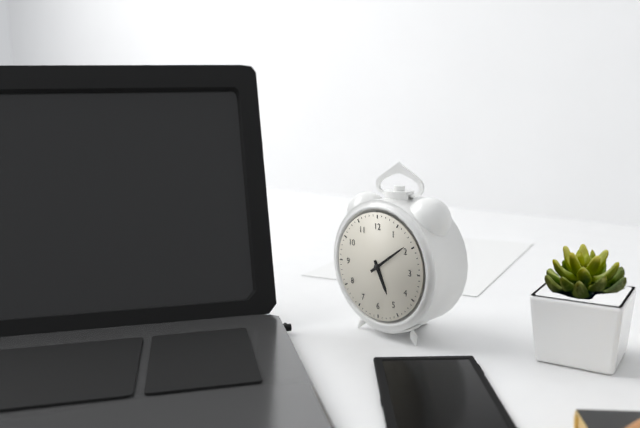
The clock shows 5.09
